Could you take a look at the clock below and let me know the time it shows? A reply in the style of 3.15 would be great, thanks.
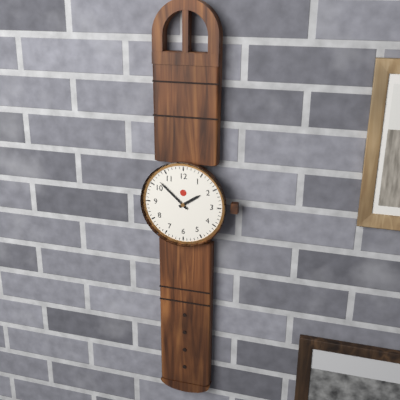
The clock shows 1.52
